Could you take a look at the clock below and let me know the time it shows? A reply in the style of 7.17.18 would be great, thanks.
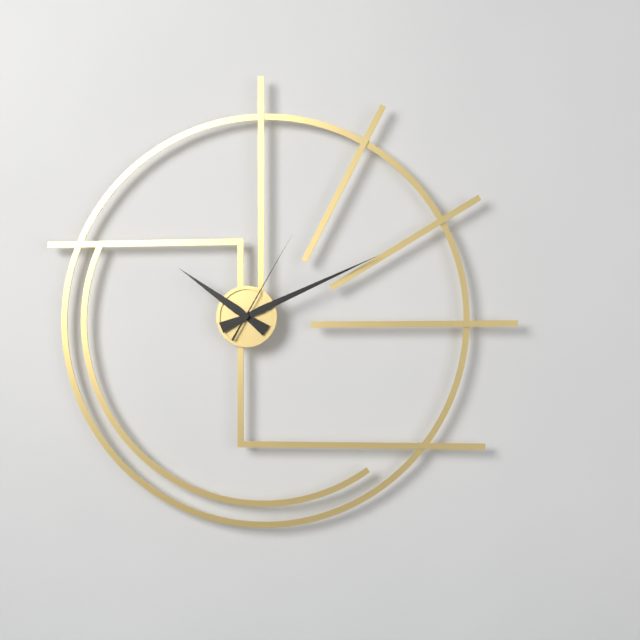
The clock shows 10.11.05
